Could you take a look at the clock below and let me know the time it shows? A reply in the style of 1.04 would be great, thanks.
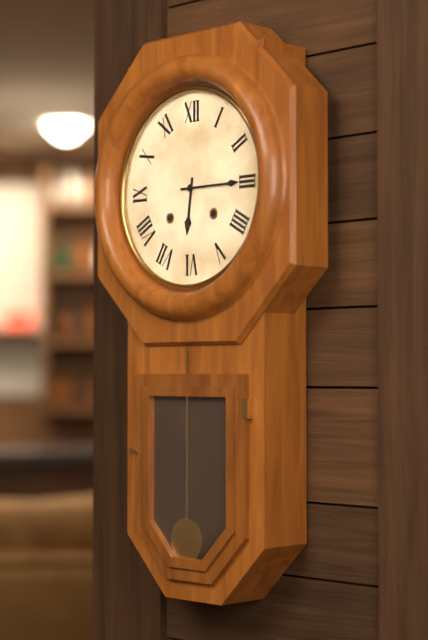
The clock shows 6.15
